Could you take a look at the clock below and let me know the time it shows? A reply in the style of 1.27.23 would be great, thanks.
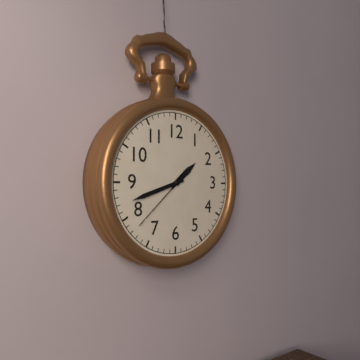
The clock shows 1.42.38
